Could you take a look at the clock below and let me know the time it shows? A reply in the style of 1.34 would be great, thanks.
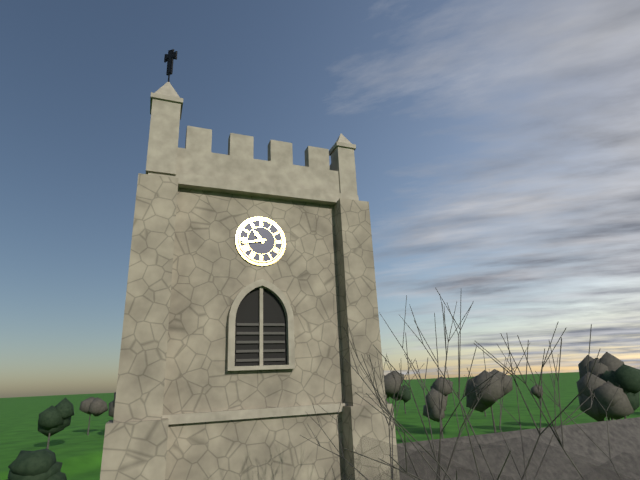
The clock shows 10.43
